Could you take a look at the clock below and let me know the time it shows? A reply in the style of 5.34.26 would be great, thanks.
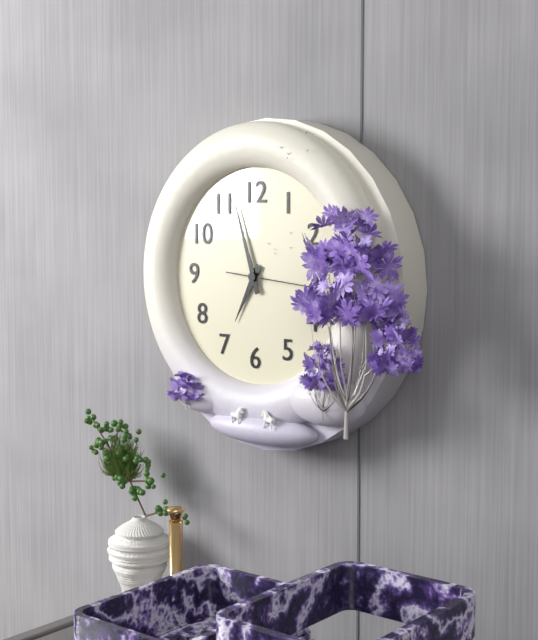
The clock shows 6.57.16
